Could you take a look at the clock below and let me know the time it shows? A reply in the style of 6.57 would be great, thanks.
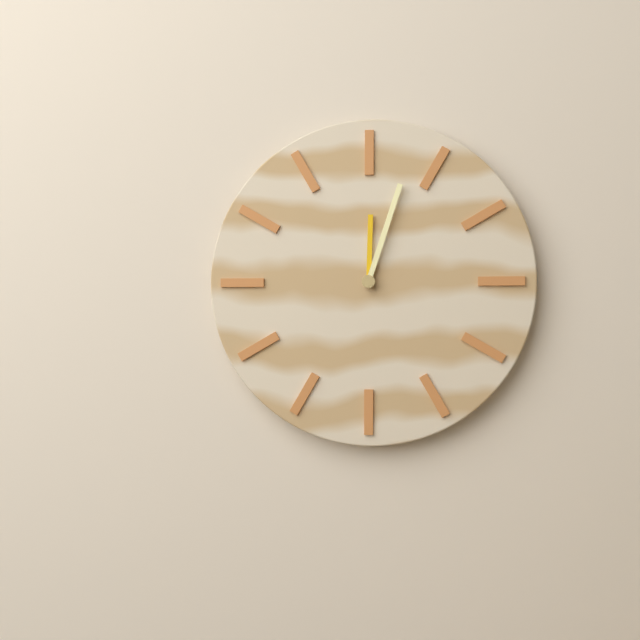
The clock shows 12.03
